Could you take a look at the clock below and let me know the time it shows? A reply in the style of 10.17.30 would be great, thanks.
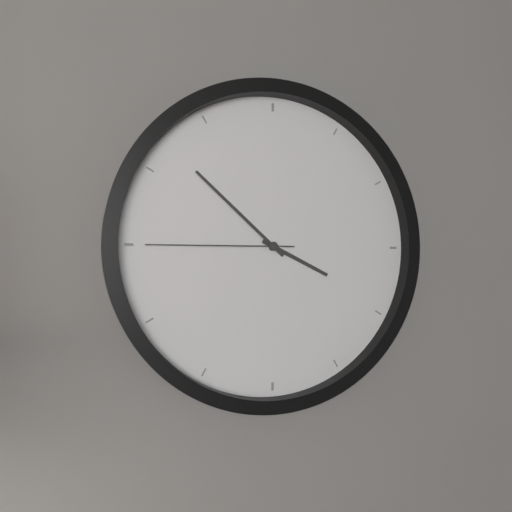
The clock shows 3.52.45
